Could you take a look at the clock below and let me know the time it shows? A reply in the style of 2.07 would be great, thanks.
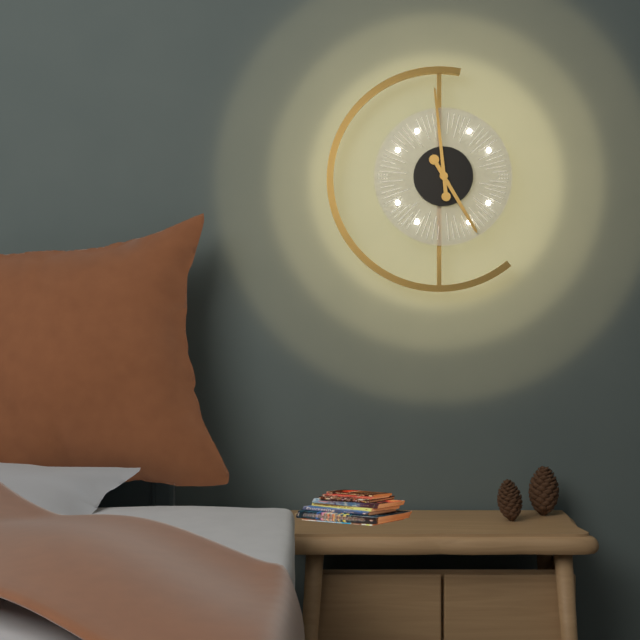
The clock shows 4.59
